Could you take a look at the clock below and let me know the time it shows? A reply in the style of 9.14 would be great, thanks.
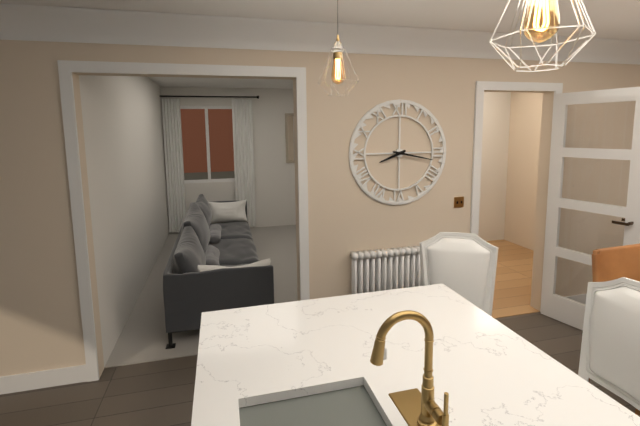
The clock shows 8.17
